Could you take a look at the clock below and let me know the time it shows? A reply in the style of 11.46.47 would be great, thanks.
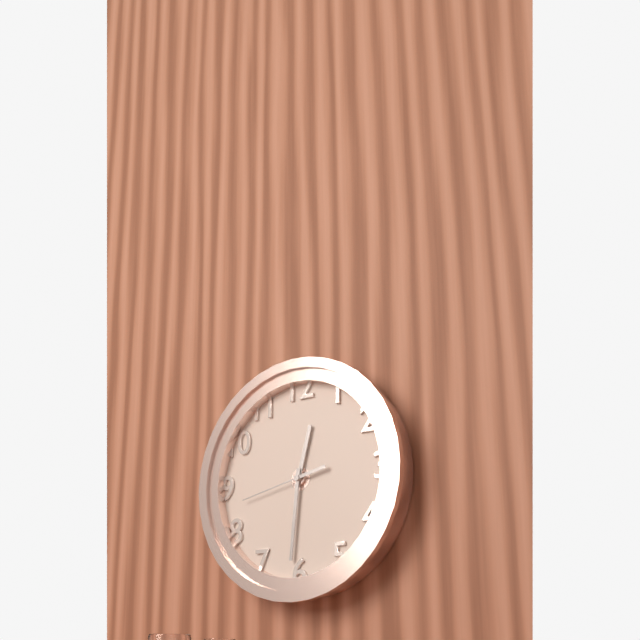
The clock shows 12.31.43
